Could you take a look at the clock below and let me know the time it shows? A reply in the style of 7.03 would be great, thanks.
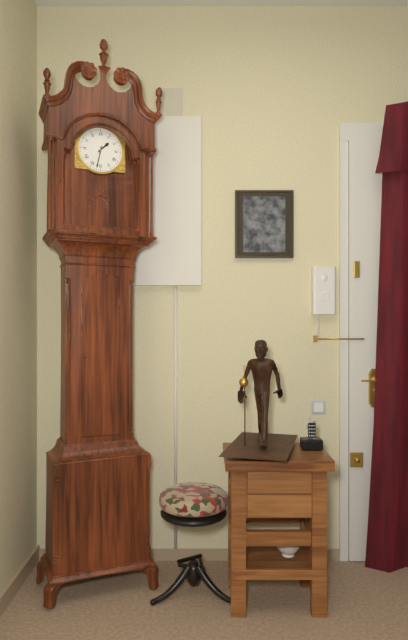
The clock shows 1.32
